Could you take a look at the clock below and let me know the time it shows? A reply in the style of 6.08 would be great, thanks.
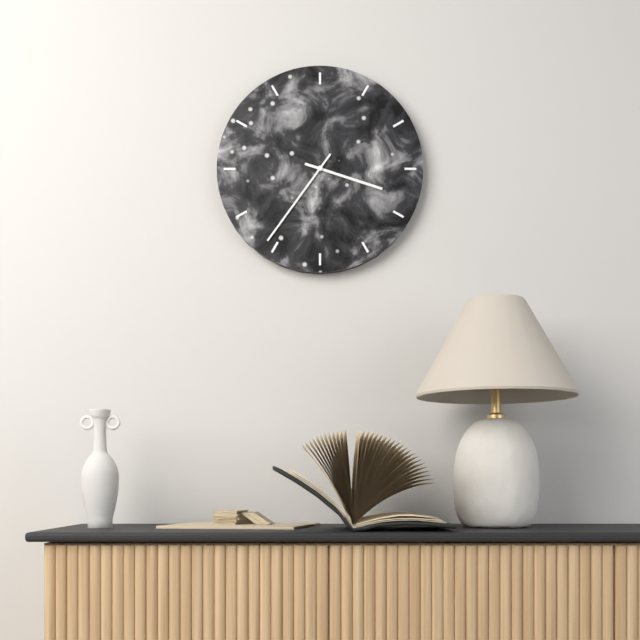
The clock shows 3.36
